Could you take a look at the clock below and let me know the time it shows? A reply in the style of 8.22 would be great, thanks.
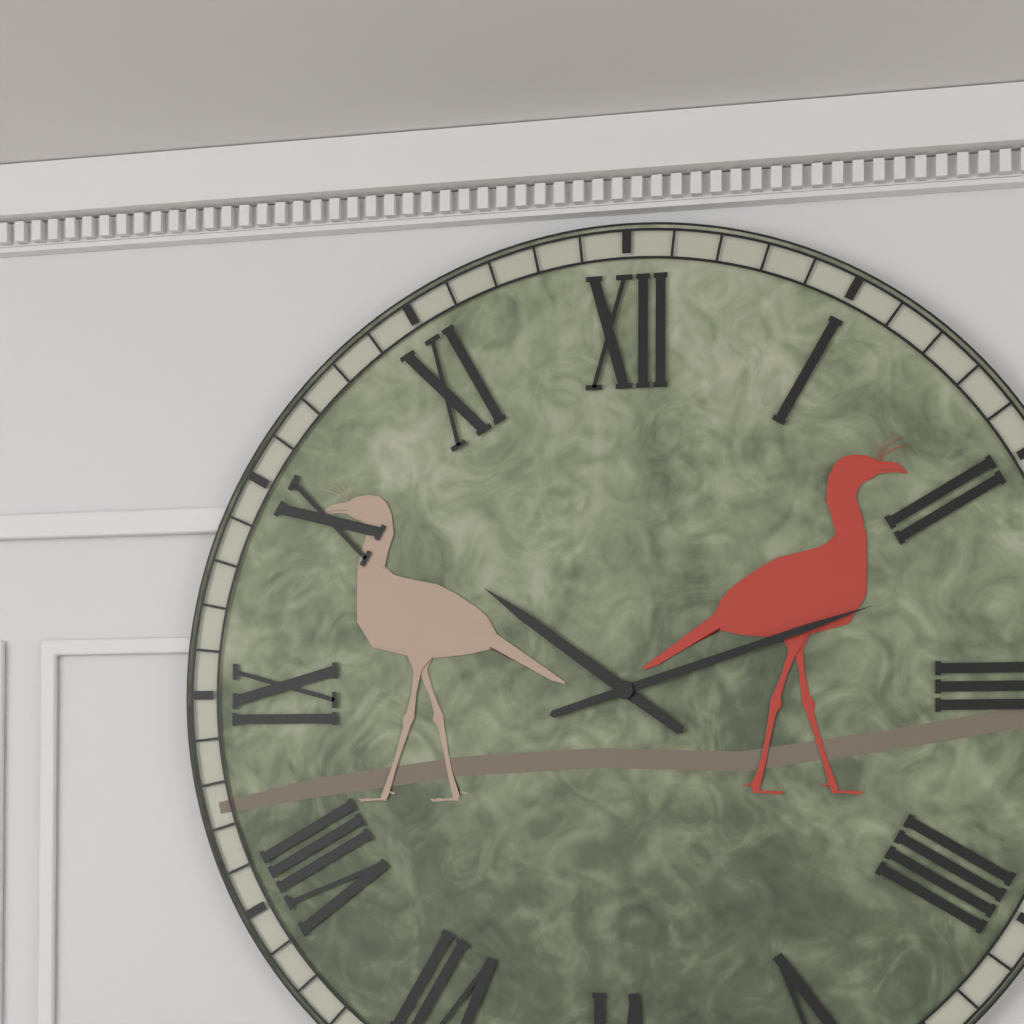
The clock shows 10.12
